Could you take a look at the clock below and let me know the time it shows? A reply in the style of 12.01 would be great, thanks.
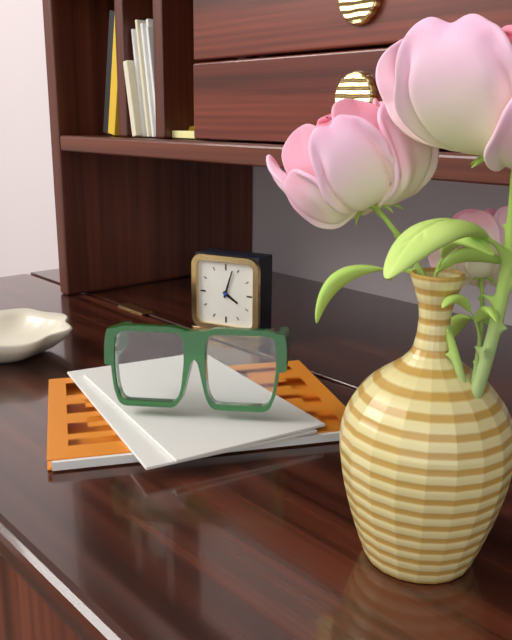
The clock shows 4.03
